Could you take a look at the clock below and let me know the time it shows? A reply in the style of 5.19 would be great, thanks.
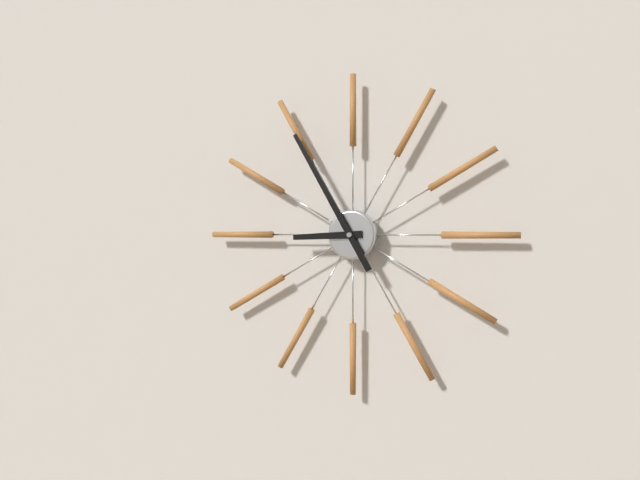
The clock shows 8.55
